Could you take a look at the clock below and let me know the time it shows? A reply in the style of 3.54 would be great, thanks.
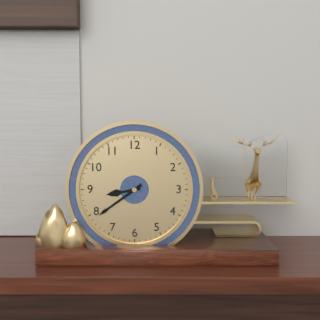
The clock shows 8.39
